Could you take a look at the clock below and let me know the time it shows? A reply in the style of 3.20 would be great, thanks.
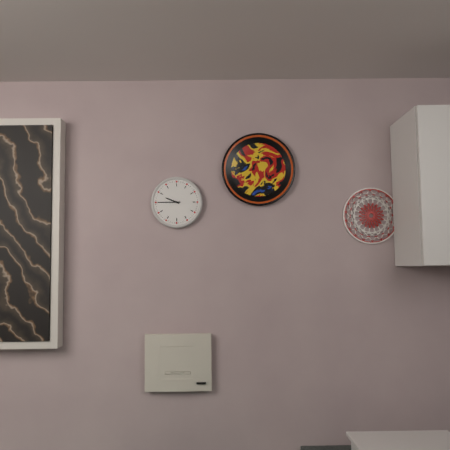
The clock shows 9.45
